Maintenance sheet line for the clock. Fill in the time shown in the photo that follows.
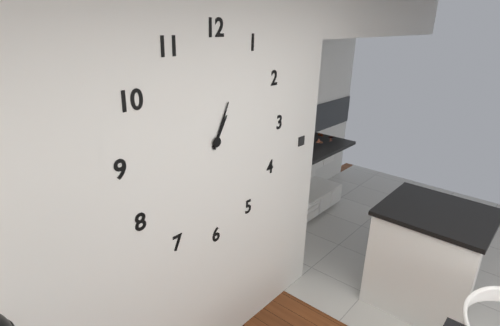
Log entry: 1:04
